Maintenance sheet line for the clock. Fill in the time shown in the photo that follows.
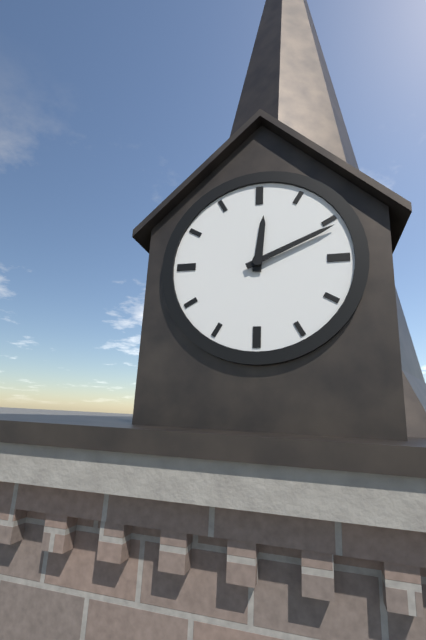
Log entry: 12:11
